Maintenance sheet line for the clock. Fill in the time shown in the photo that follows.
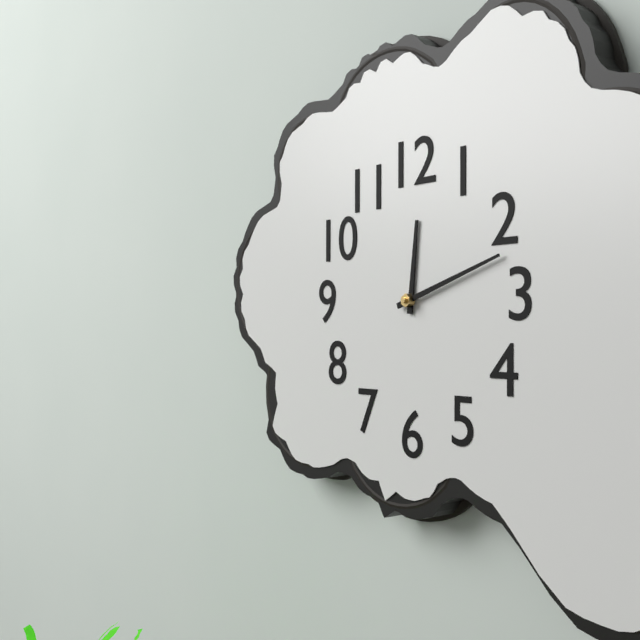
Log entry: 12:12
